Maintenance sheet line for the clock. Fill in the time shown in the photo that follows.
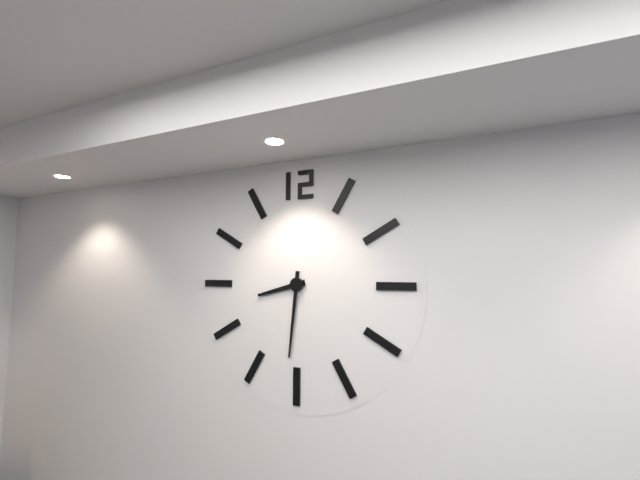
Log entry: 8:31
